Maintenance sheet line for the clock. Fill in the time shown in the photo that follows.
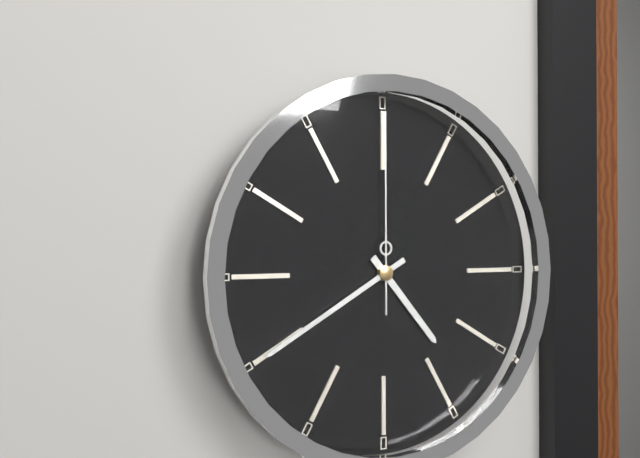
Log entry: 4:40:00
